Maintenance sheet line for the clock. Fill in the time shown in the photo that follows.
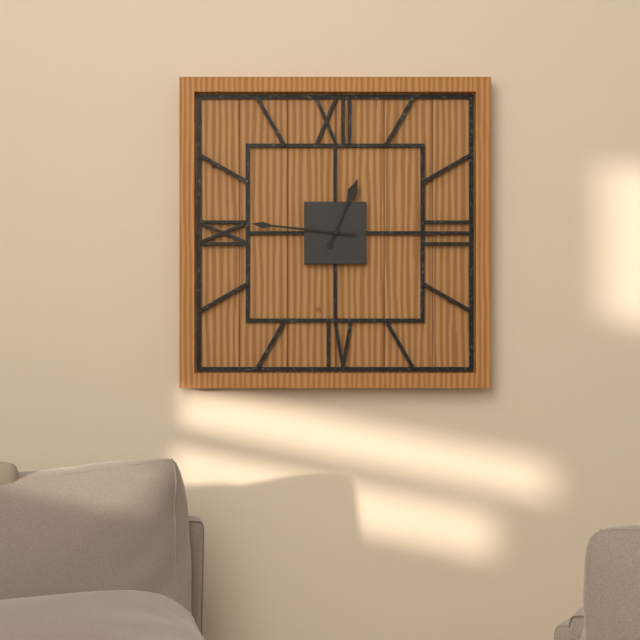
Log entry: 12:46
